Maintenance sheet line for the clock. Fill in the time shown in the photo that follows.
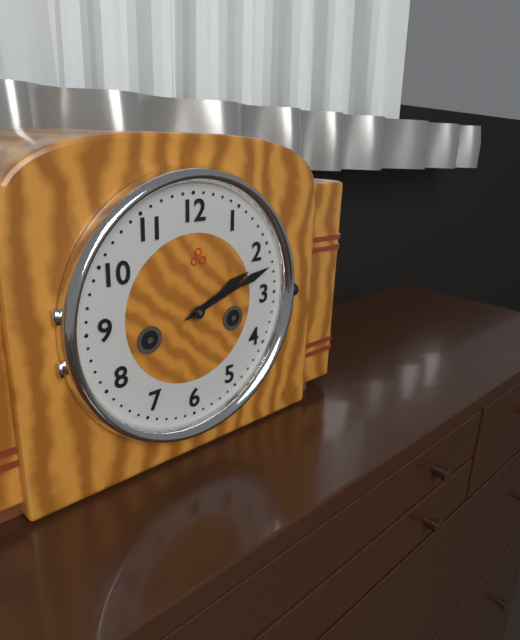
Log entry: 2:12
